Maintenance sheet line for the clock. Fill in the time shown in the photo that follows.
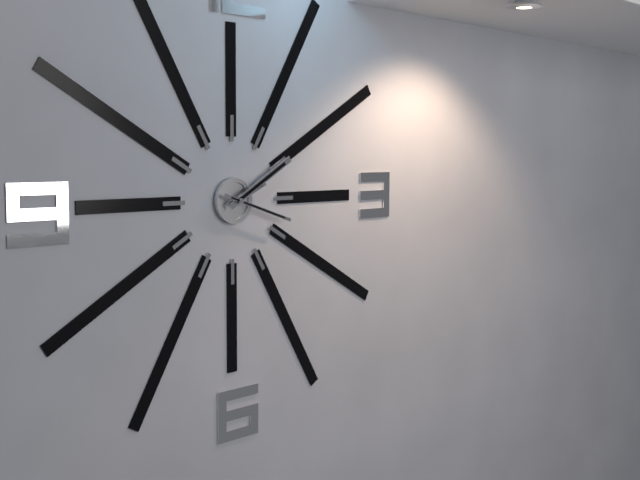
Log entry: 2:10:18
